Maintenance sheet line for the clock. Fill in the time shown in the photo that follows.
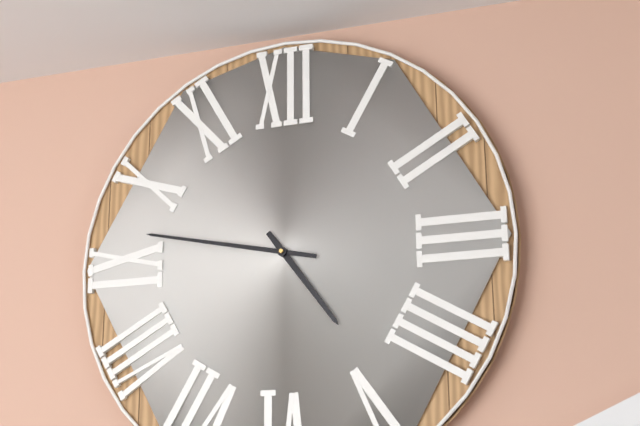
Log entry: 4:47
